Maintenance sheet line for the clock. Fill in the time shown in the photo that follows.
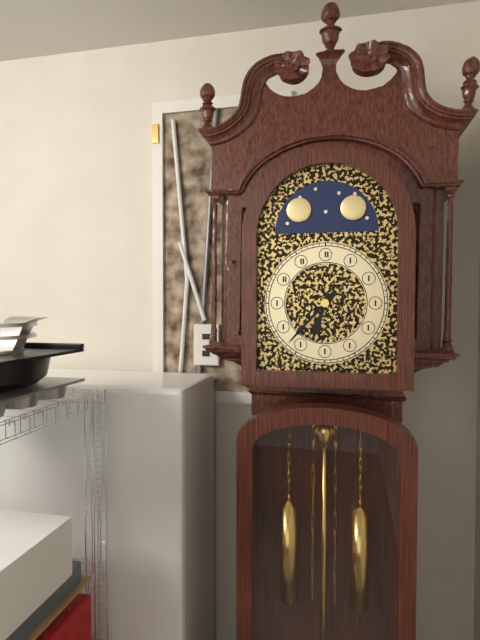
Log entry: 6:37
